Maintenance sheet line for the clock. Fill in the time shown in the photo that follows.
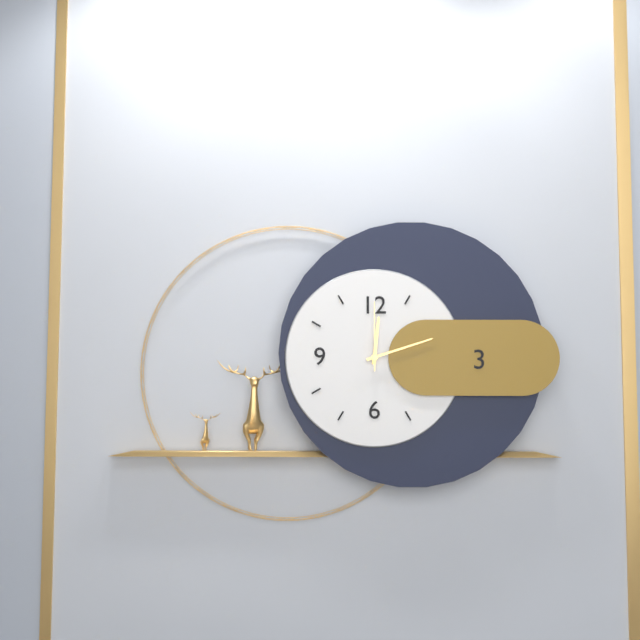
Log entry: 12:12:00
